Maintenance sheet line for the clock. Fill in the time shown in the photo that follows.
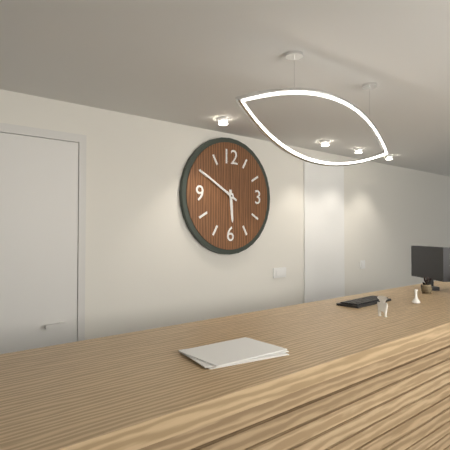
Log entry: 5:50
